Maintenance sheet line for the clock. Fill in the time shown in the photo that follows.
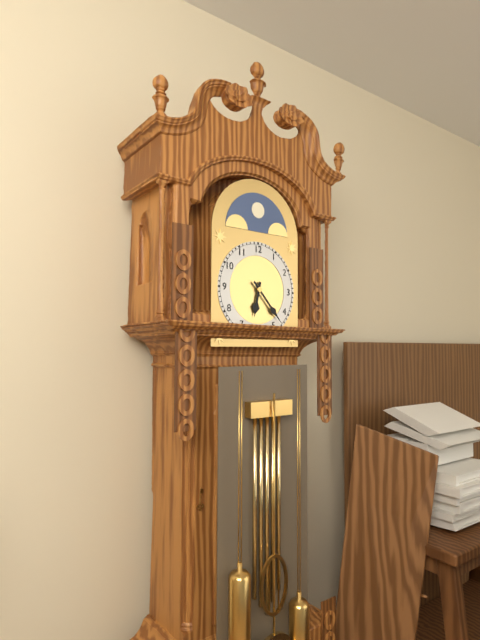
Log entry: 6:23
